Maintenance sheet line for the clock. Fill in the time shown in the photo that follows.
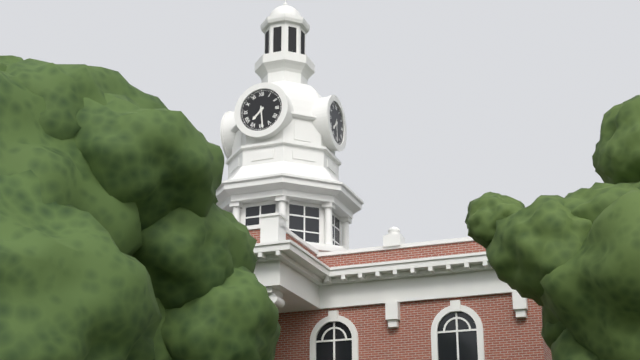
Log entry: 7:29
